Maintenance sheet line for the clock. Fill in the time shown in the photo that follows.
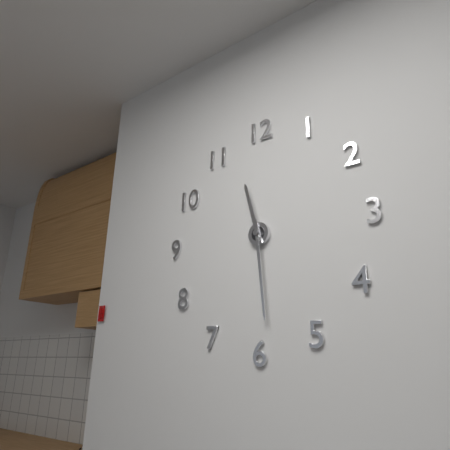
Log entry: 11:29
